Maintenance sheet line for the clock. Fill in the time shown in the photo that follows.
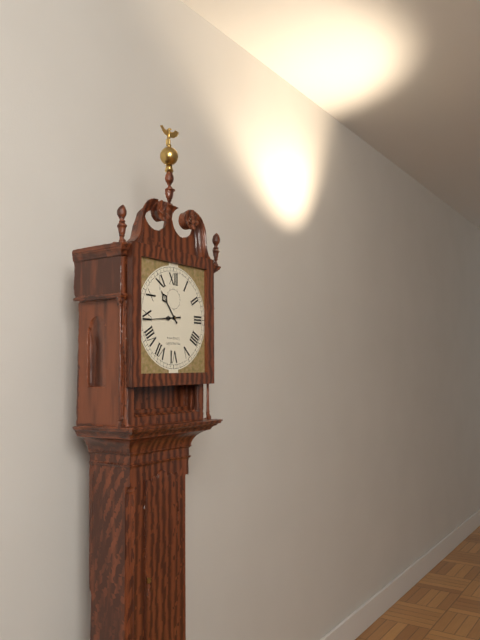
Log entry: 10:44
